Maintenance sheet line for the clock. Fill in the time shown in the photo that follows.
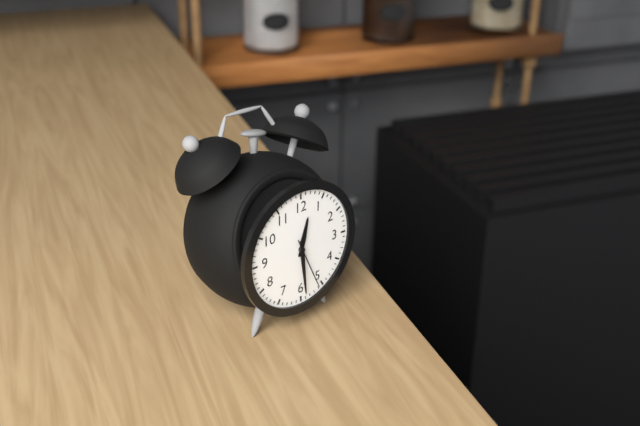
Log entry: 12:29:26
